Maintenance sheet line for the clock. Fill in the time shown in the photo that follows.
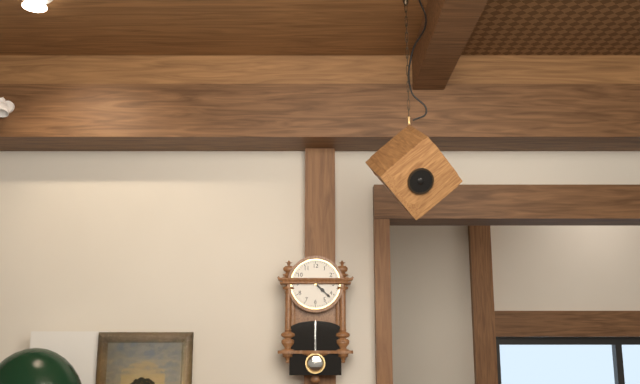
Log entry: 4:22
